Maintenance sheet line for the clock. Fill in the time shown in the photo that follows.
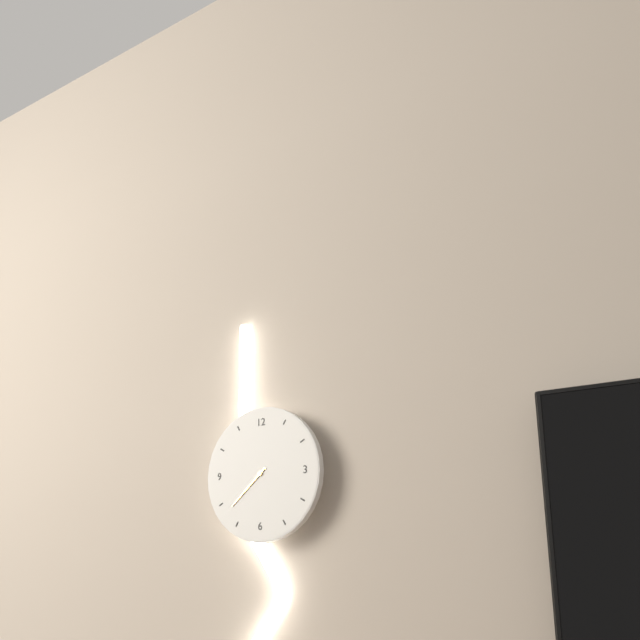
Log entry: 7:38
